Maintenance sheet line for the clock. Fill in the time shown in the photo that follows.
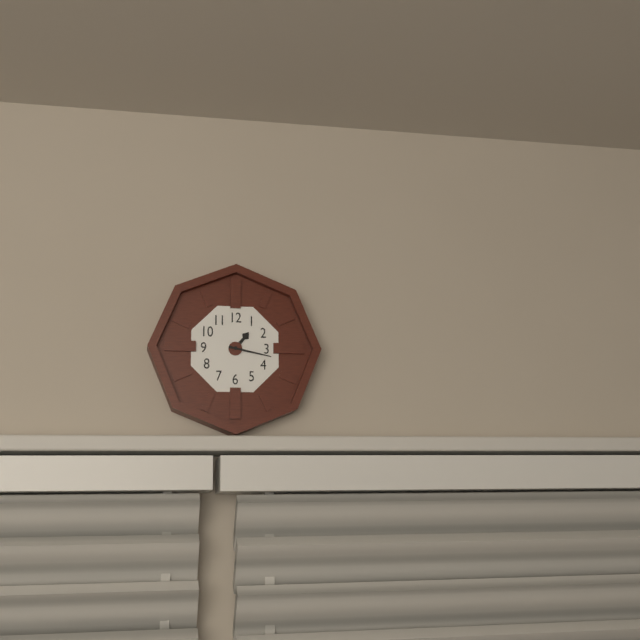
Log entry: 1:17
